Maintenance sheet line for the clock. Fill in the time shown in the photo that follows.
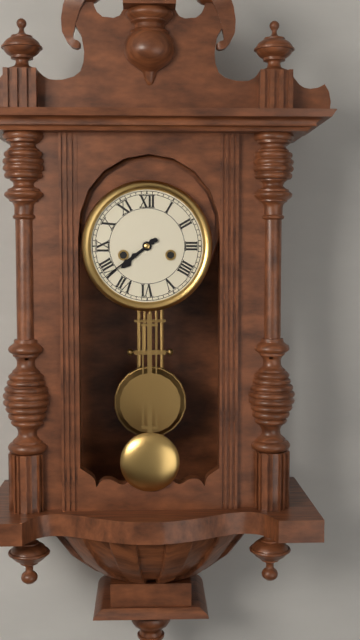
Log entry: 7:39
